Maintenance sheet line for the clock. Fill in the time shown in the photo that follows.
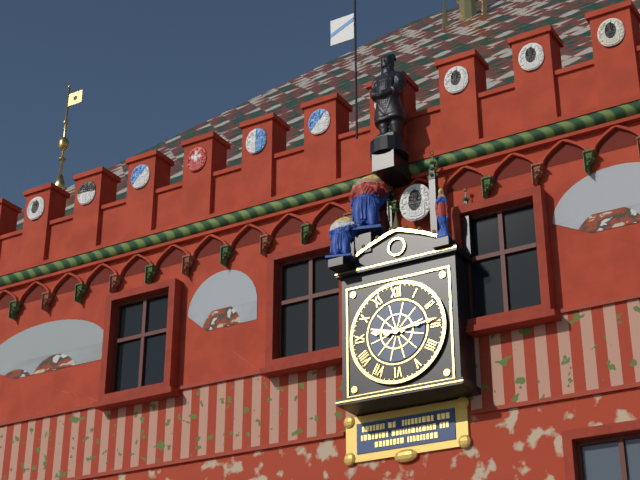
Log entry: 9:14
